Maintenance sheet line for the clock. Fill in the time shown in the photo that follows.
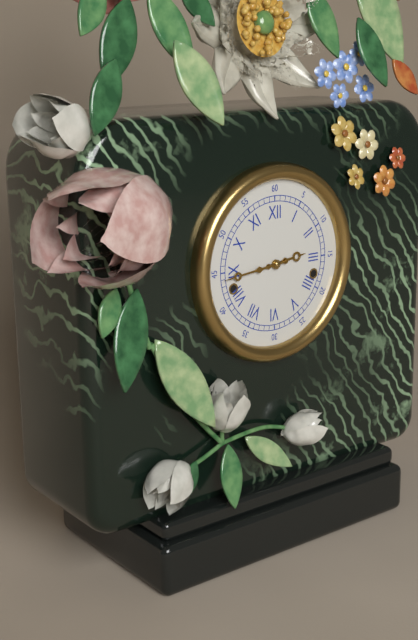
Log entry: 2:44
